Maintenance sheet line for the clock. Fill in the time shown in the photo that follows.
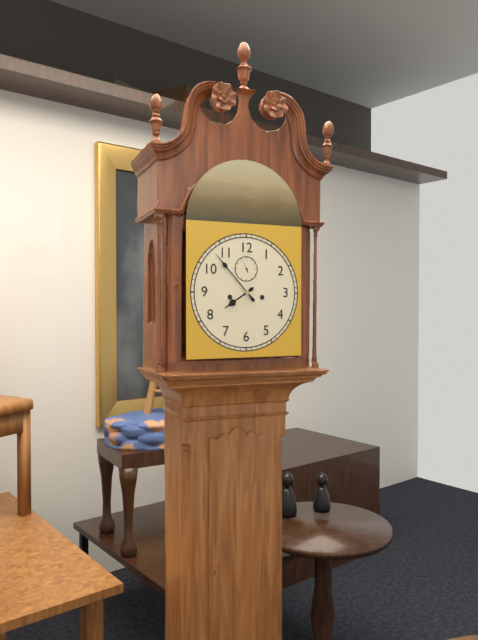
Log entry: 7:53
